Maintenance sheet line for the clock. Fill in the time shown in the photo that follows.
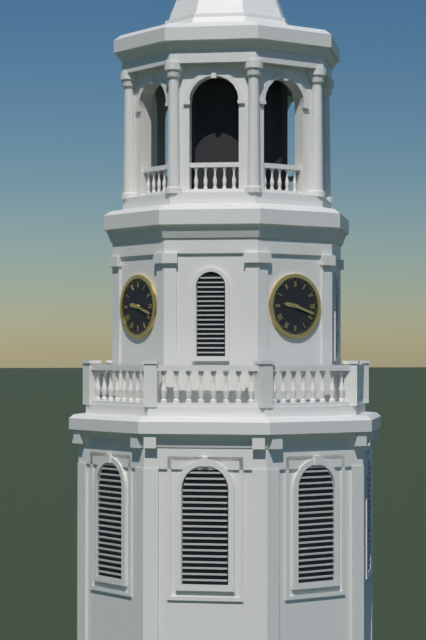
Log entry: 9:18
